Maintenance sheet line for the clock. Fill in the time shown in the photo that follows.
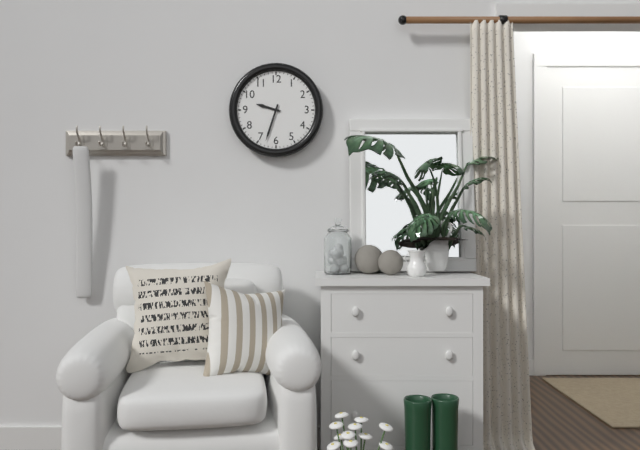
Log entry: 9:33
